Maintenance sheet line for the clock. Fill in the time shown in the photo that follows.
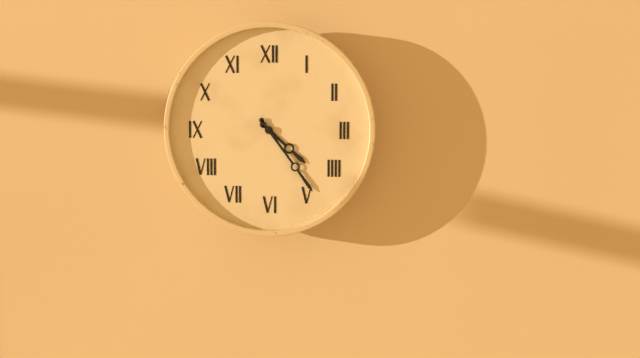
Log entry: 4:24
